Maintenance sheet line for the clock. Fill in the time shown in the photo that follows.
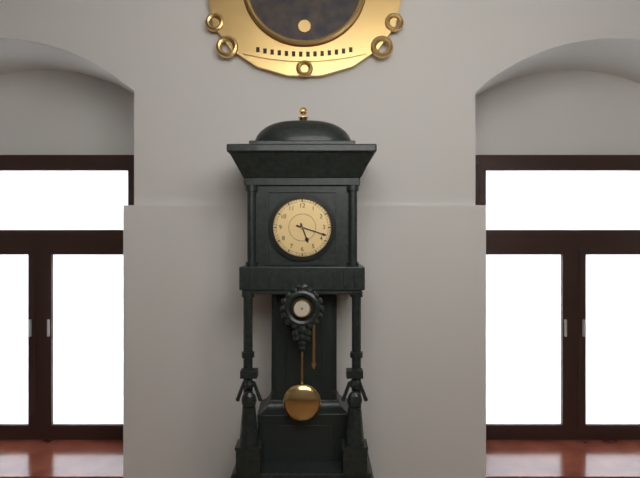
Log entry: 5:18
